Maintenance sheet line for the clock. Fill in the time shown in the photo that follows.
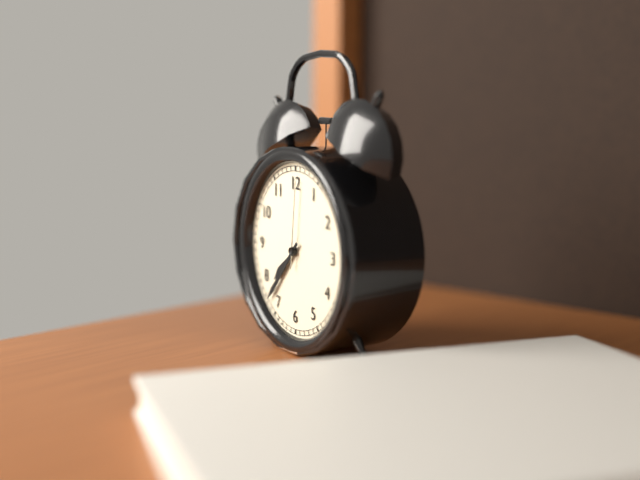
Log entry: 7:37:01
